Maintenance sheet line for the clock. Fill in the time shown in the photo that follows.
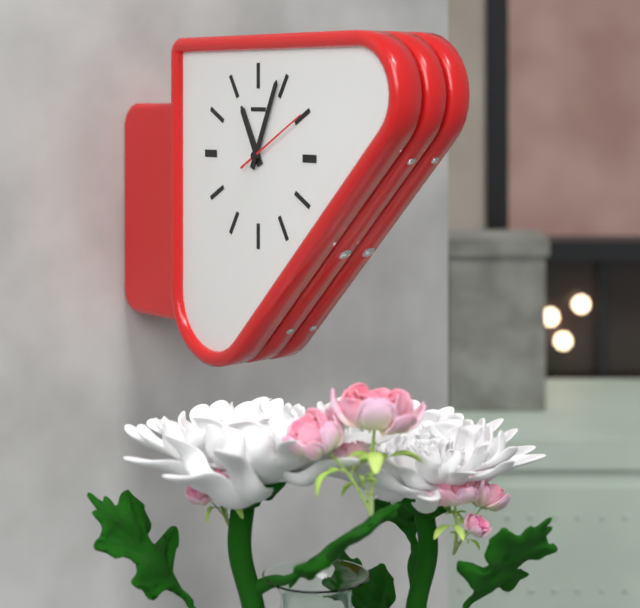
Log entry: 11:04:10
